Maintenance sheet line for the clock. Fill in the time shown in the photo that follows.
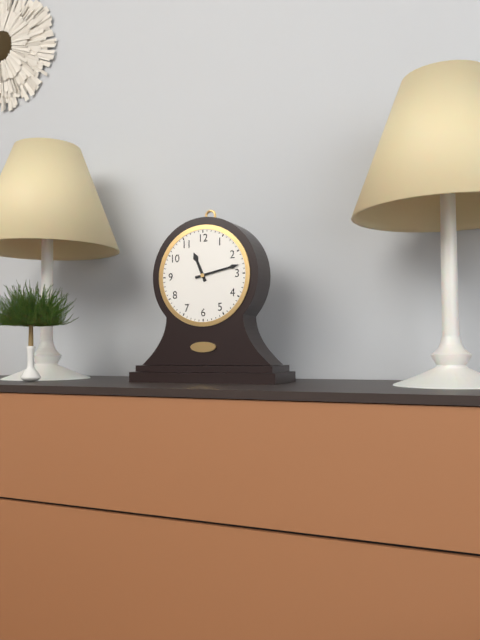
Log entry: 11:13
